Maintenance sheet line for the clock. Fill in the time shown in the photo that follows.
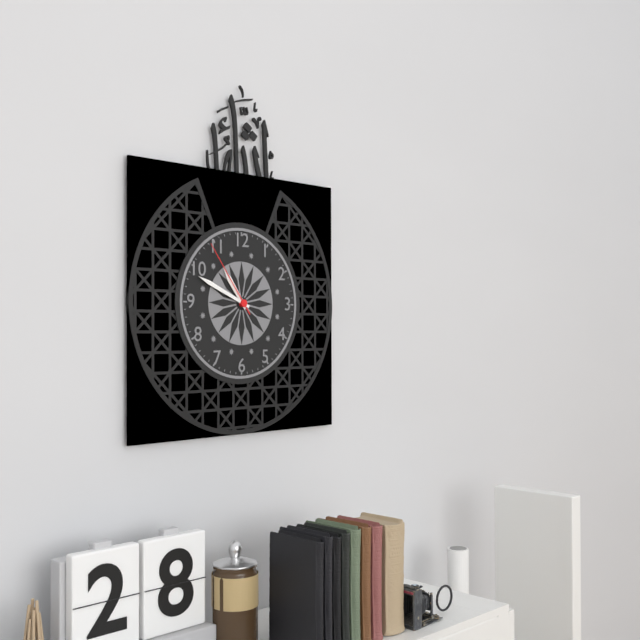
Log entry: 10:49:54
